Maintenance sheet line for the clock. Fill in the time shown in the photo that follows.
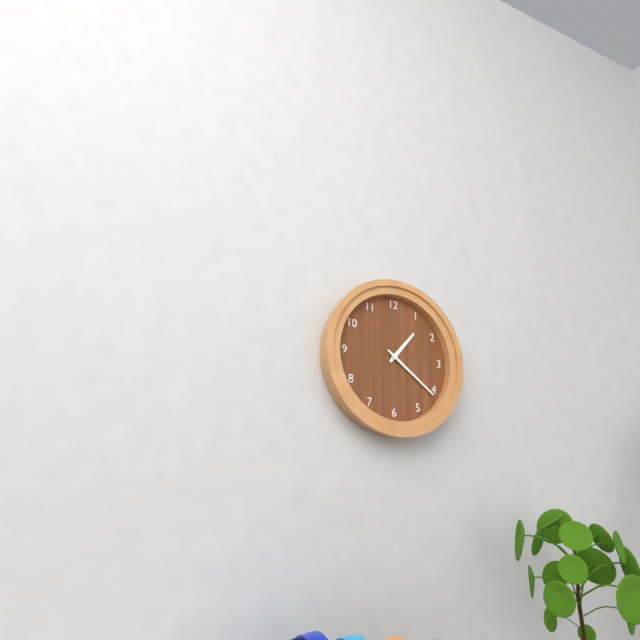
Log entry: 1:21
